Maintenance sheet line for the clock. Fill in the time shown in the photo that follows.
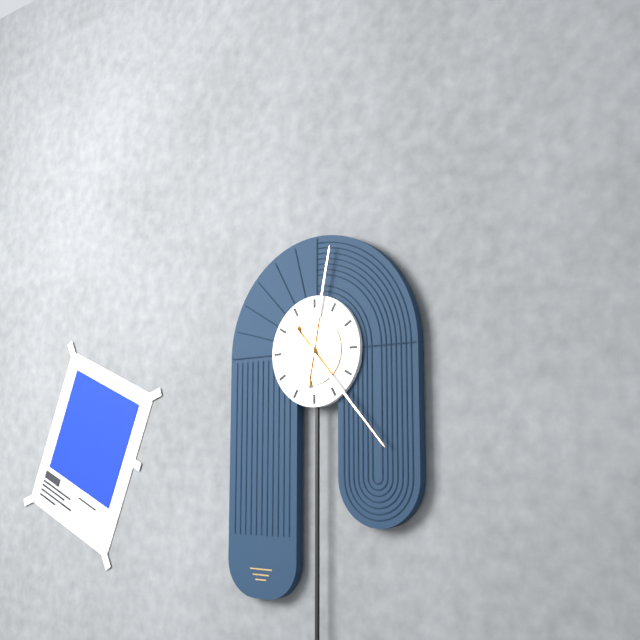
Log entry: 12:23
